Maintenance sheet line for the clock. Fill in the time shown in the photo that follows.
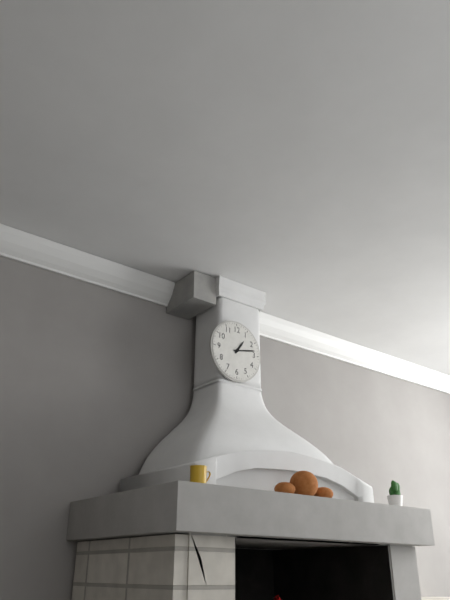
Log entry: 1:13
